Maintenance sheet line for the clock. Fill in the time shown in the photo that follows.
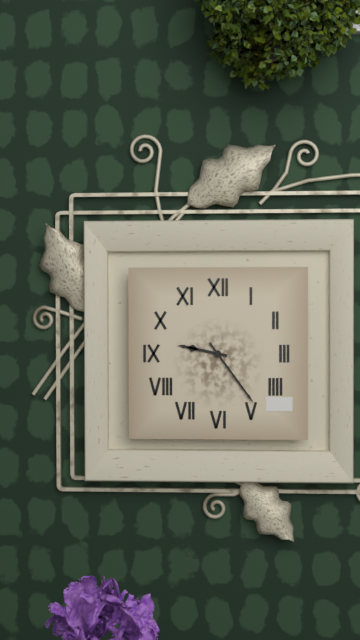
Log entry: 9:24
